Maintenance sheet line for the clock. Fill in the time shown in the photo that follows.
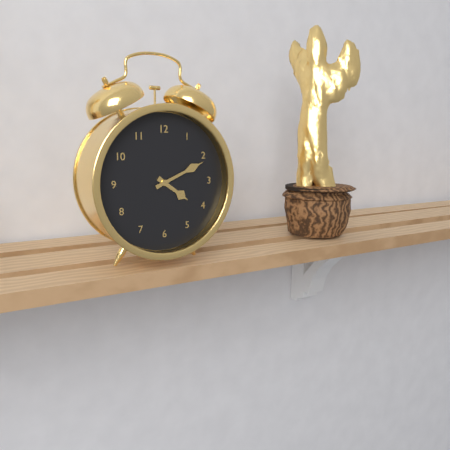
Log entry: 4:11
